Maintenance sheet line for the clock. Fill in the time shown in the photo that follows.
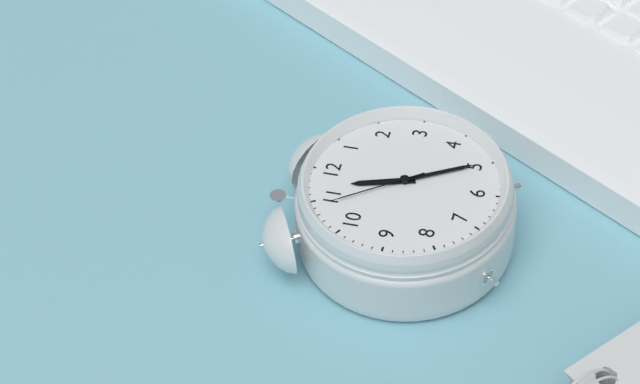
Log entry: 11:25:54
